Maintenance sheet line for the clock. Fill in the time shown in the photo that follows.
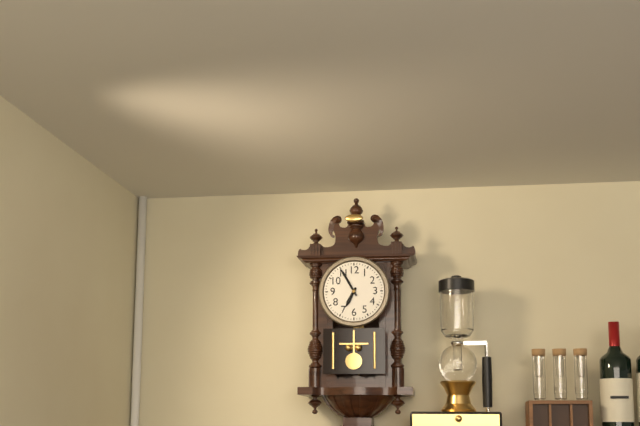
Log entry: 6:55
